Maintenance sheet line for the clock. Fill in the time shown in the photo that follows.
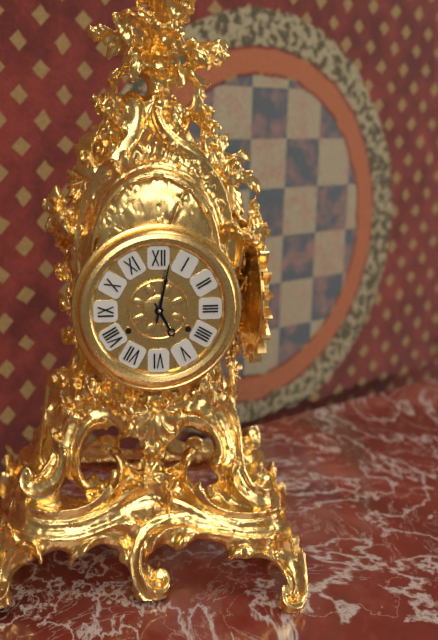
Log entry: 5:02
